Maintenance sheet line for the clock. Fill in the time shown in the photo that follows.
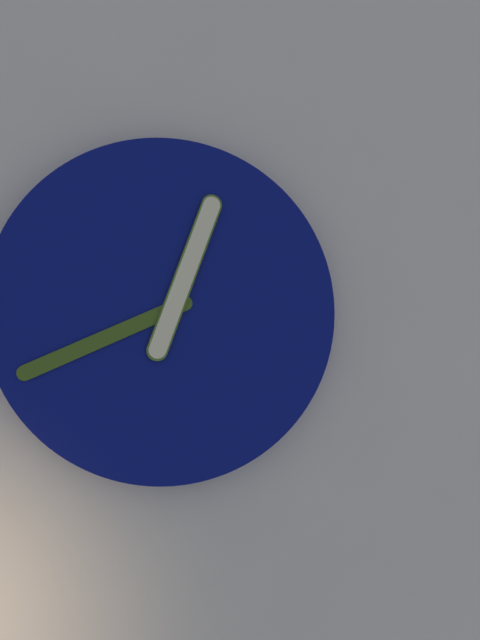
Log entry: 12:41
